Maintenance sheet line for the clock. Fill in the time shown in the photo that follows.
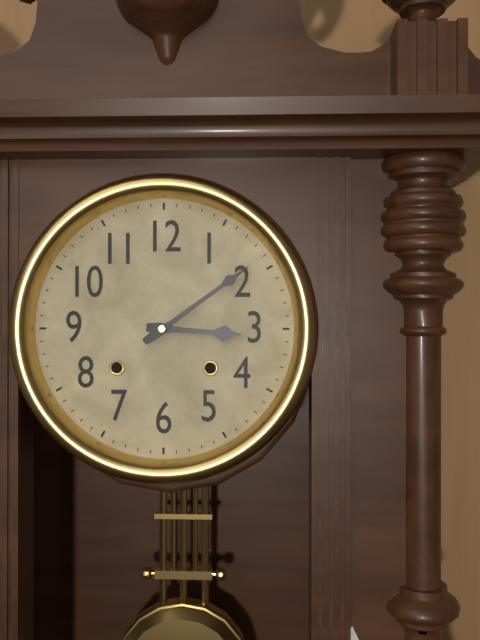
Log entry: 3:09
